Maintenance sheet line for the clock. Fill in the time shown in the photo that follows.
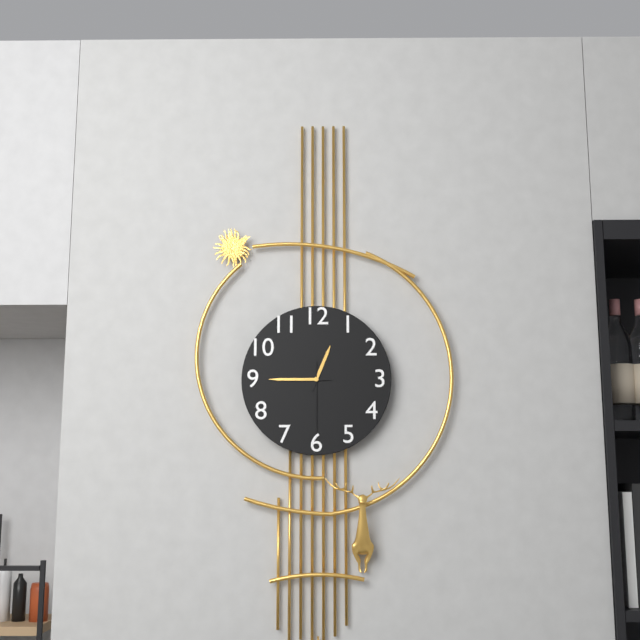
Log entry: 12:45:30
